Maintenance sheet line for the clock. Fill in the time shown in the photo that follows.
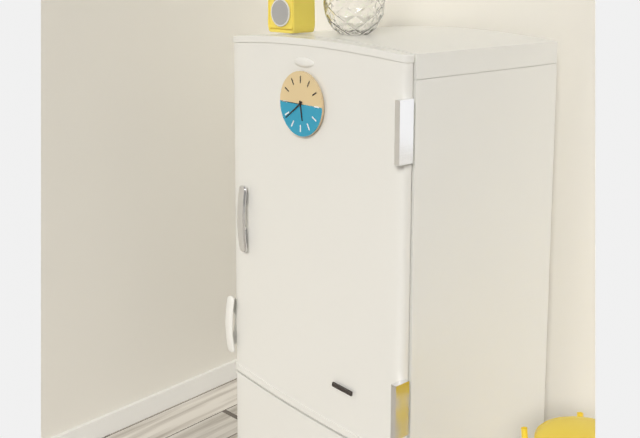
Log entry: 5:39
